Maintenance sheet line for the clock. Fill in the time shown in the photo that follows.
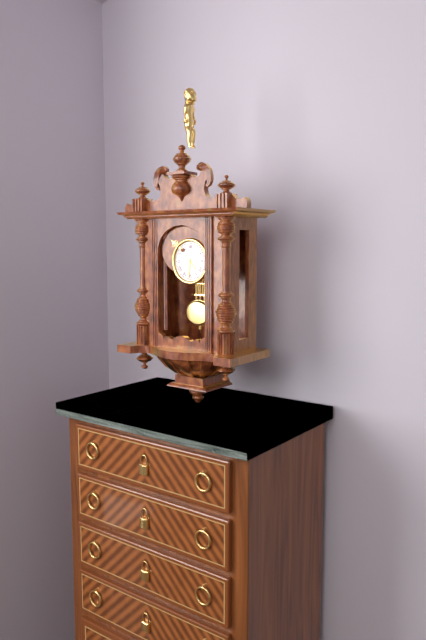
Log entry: 4:31
